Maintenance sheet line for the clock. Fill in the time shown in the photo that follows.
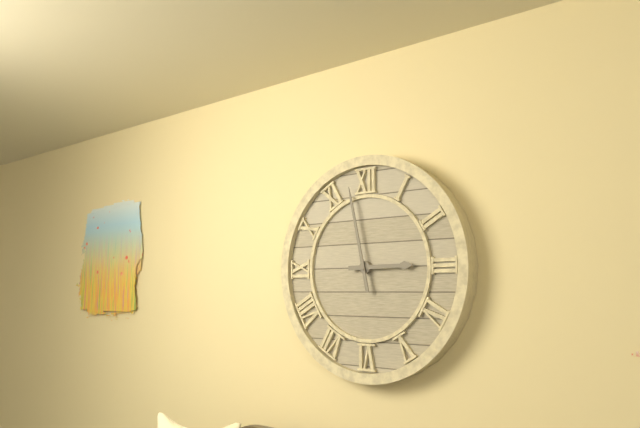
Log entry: 2:58
